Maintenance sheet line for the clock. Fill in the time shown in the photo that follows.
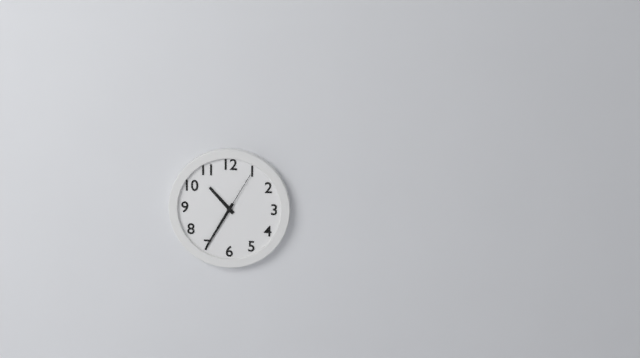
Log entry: 10:35:05
